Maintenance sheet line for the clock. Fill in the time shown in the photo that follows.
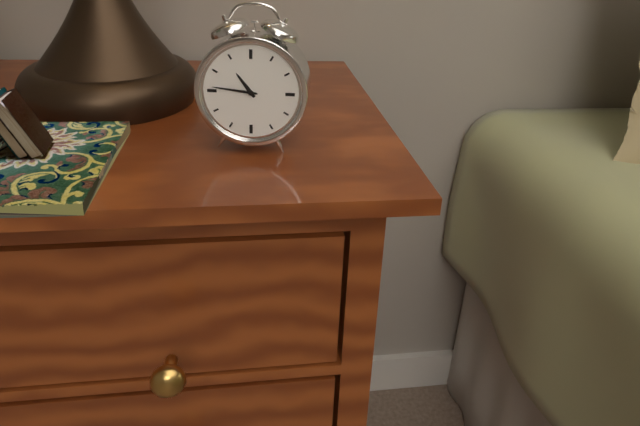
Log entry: 10:46
